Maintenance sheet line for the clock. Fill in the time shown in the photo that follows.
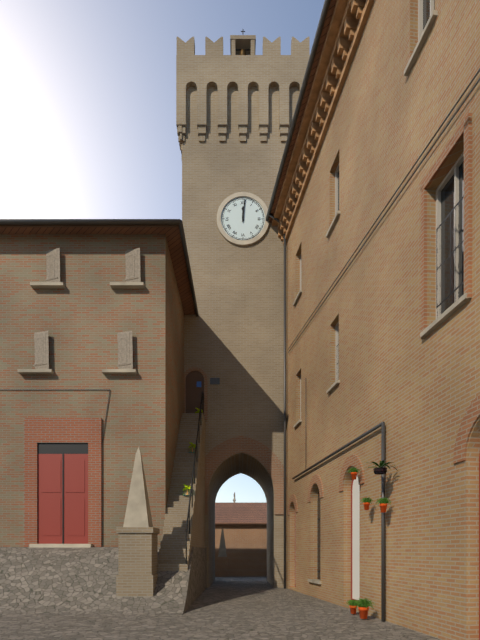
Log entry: 12:01
